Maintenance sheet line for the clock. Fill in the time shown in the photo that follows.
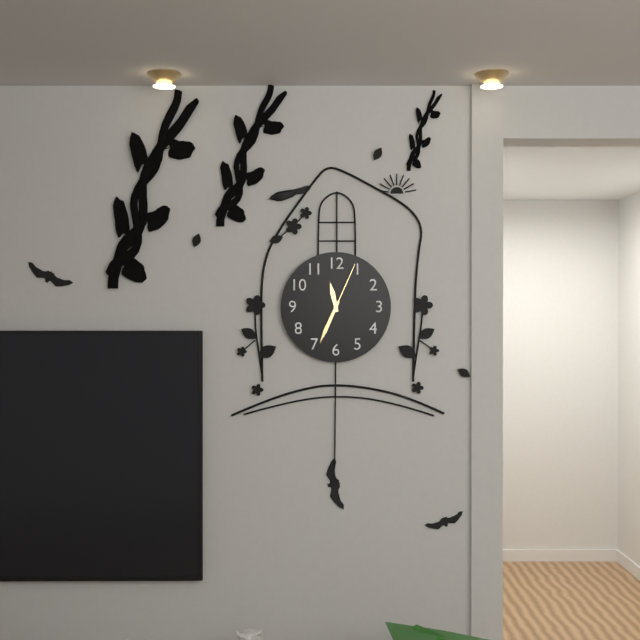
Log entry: 11:34:04
